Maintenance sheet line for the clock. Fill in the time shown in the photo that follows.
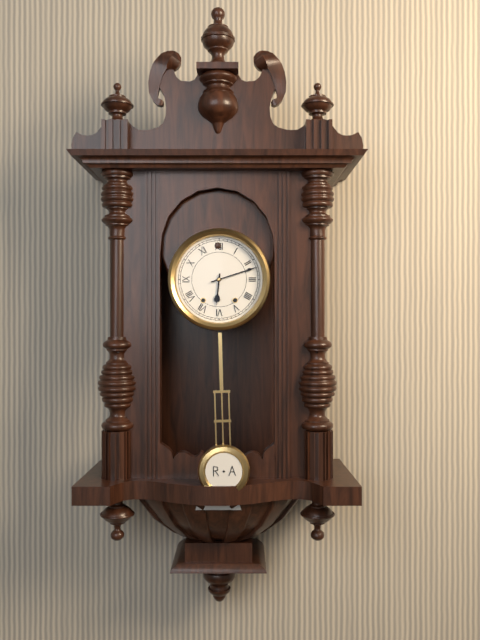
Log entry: 6:12
